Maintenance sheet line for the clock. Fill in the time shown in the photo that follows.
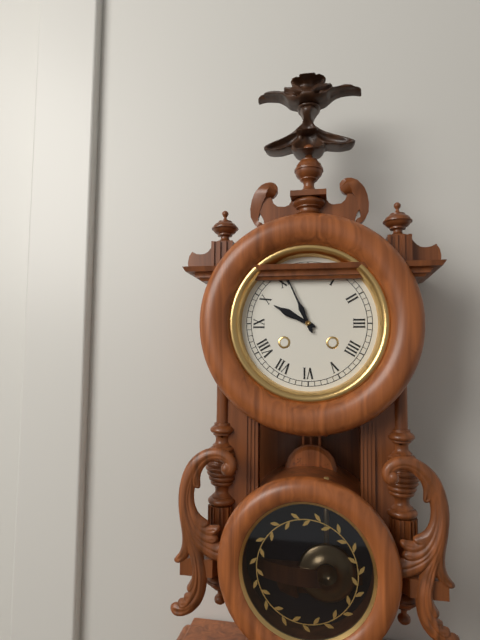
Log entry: 9:56
